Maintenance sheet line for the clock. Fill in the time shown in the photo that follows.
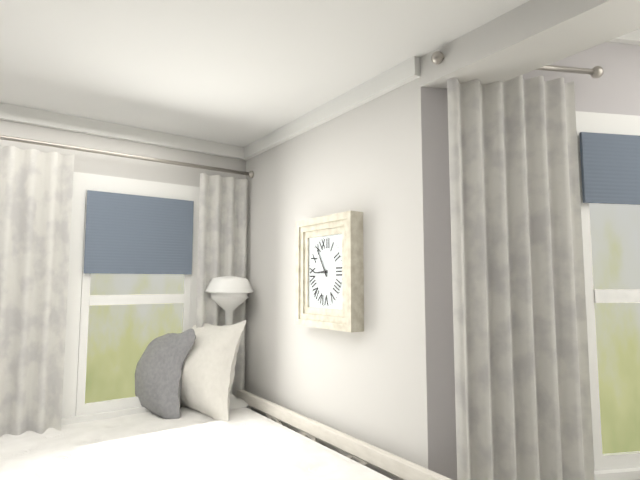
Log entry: 8:55
